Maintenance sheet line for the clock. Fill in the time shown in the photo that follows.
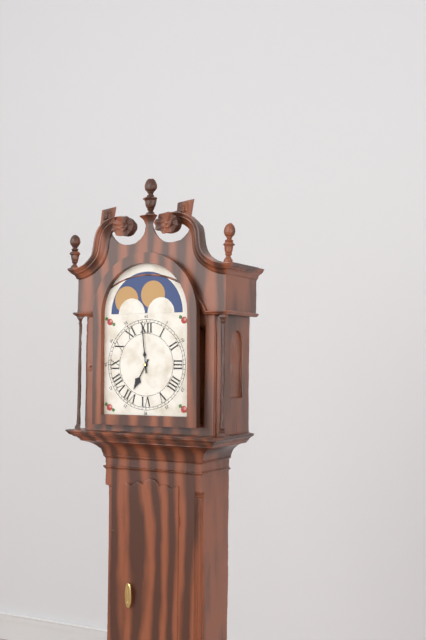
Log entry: 6:59
